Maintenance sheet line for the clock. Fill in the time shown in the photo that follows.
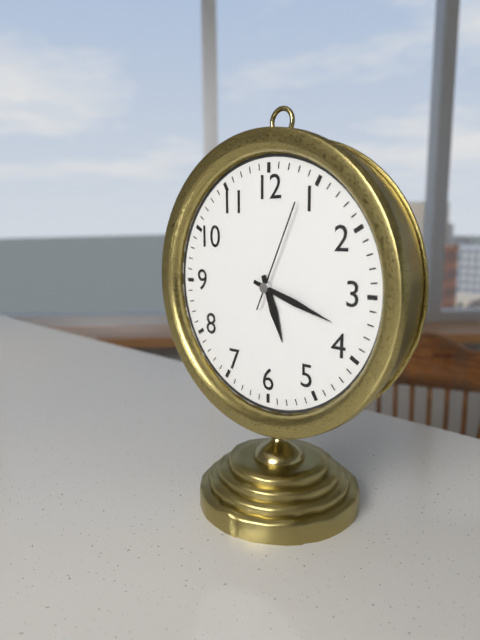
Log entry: 5:18:04
